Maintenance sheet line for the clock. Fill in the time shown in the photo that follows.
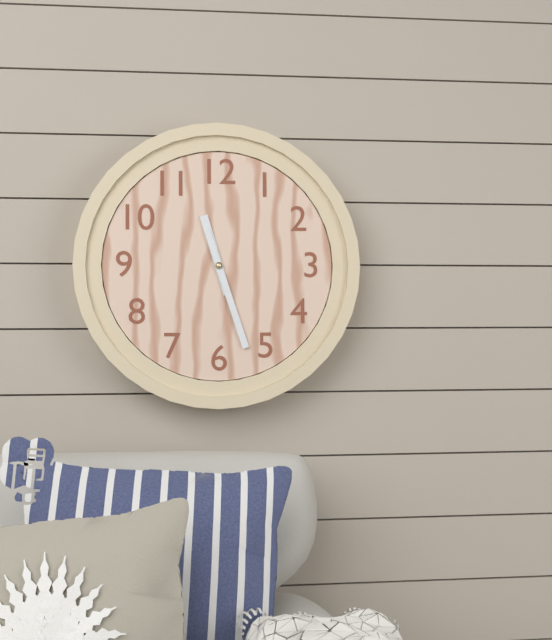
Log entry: 11:27
